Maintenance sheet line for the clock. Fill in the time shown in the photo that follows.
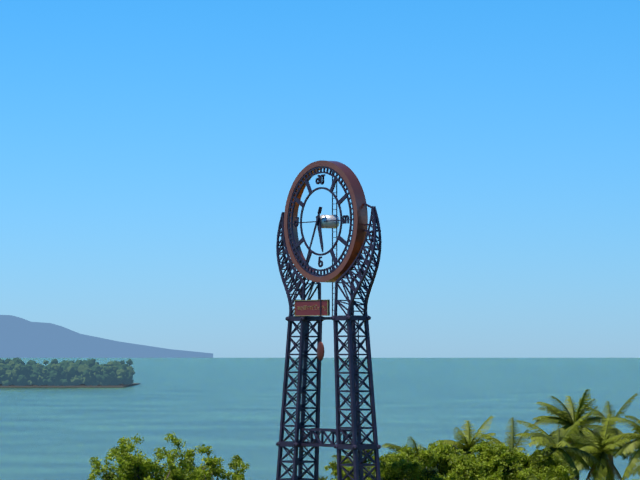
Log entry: 5:34
